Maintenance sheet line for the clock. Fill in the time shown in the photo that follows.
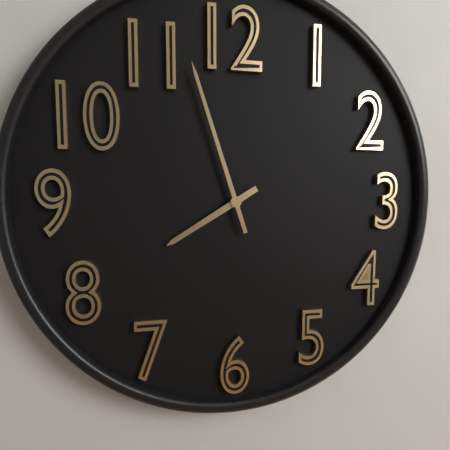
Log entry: 7:57
